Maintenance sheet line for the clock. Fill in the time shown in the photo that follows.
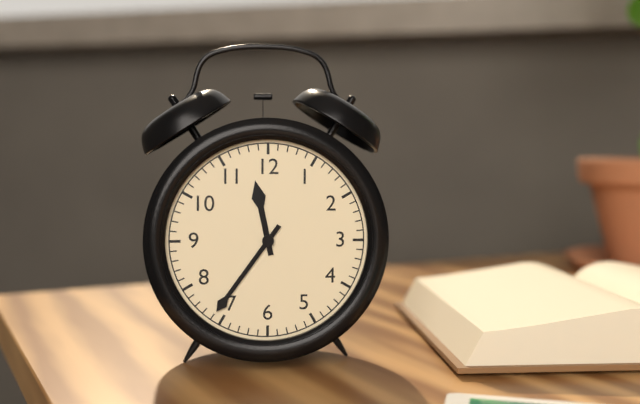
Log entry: 11:36
